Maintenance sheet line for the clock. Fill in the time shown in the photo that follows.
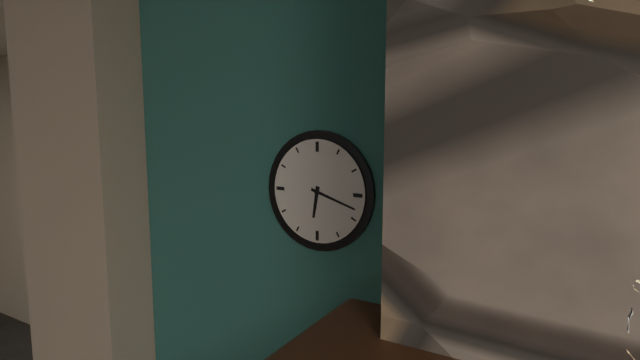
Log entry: 6:18
